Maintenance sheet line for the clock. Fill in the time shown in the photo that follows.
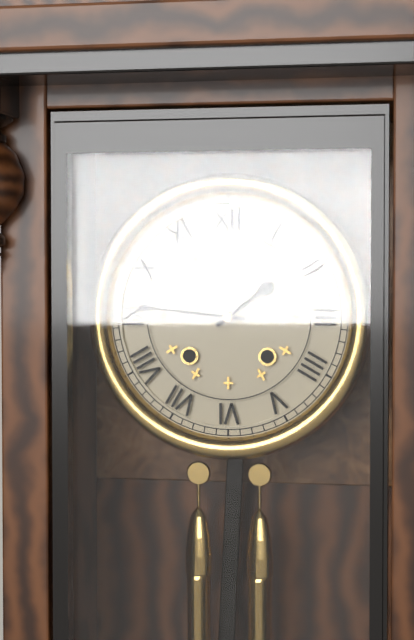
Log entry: 1:46
